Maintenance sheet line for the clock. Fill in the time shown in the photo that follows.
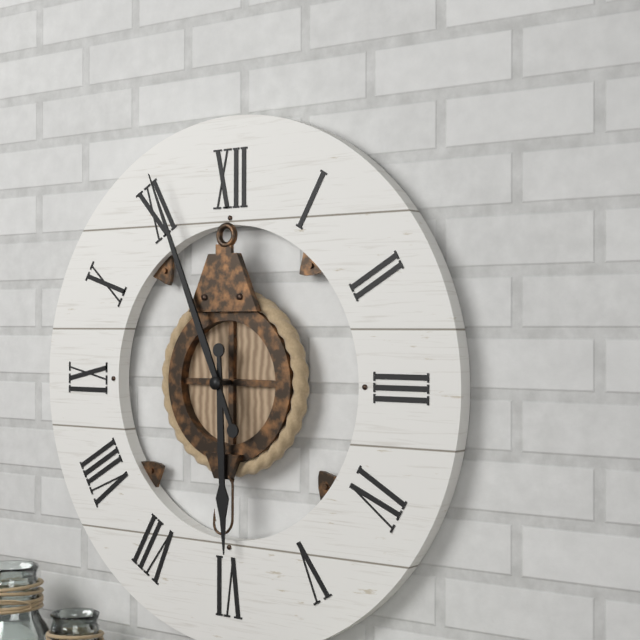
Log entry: 5:56
